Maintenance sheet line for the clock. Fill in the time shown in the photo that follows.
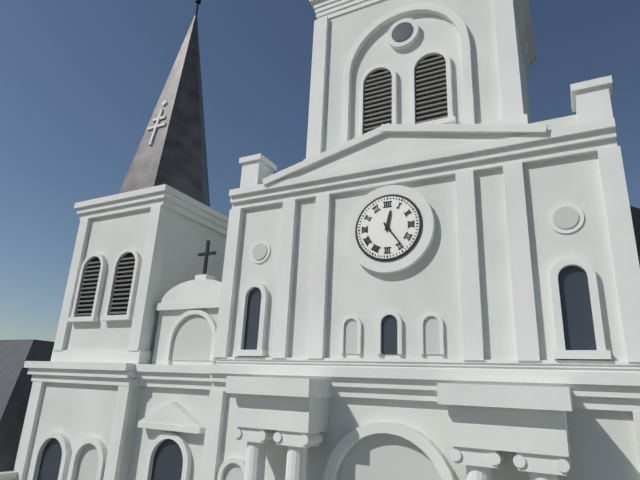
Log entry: 12:24
